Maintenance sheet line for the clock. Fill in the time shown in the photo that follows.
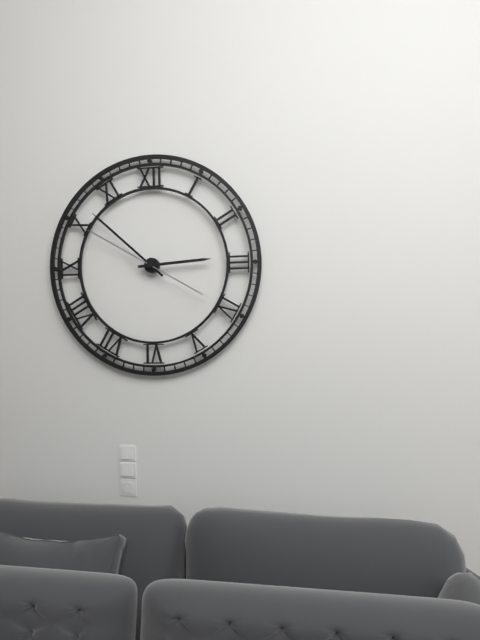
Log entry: 2:52:50
